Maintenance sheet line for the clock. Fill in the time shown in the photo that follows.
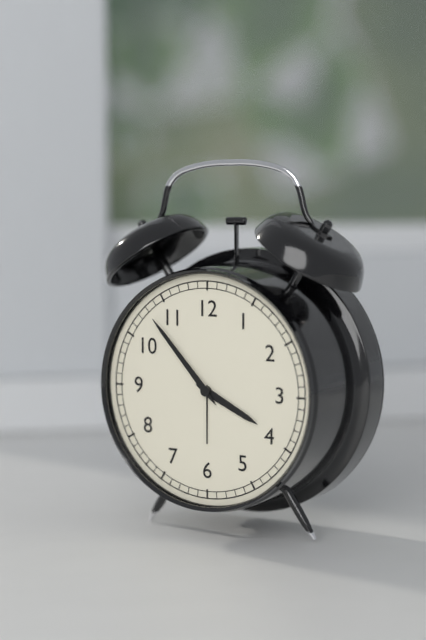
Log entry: 3:53
